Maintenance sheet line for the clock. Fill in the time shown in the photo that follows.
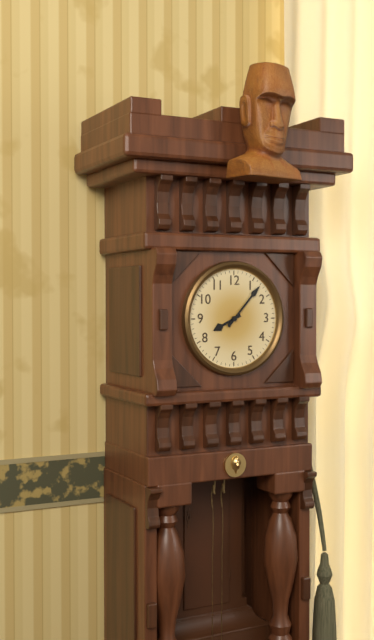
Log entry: 8:07
